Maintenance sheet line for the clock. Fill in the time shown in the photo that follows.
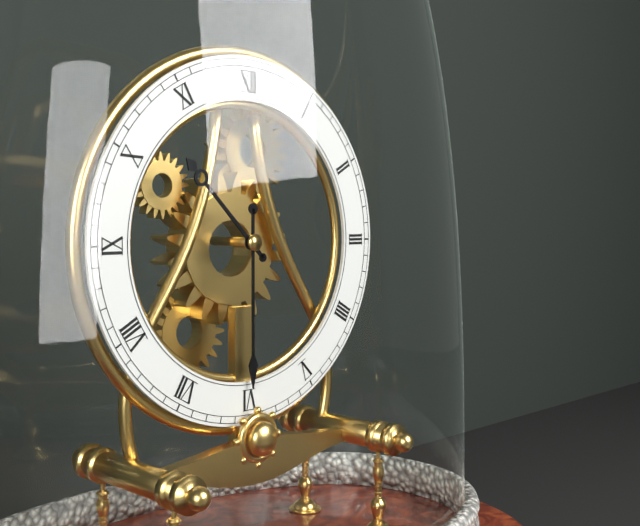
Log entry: 10:30
